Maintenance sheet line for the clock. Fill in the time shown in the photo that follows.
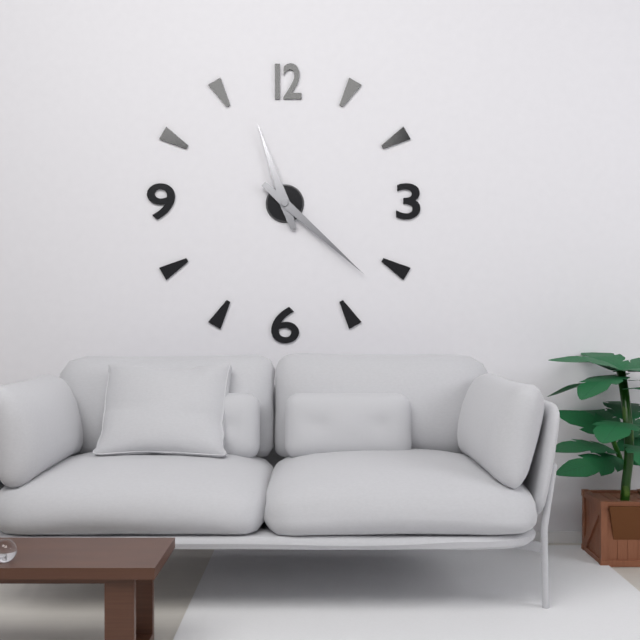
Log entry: 11:22
